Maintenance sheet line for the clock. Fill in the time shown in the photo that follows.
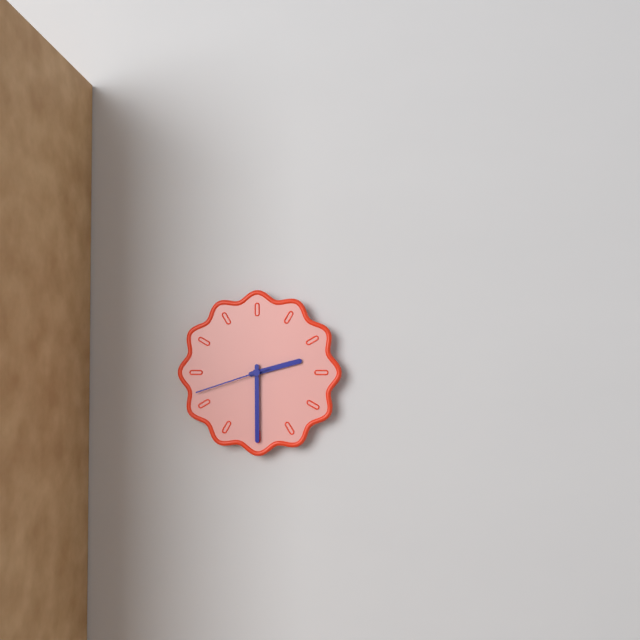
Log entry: 2:30:42
